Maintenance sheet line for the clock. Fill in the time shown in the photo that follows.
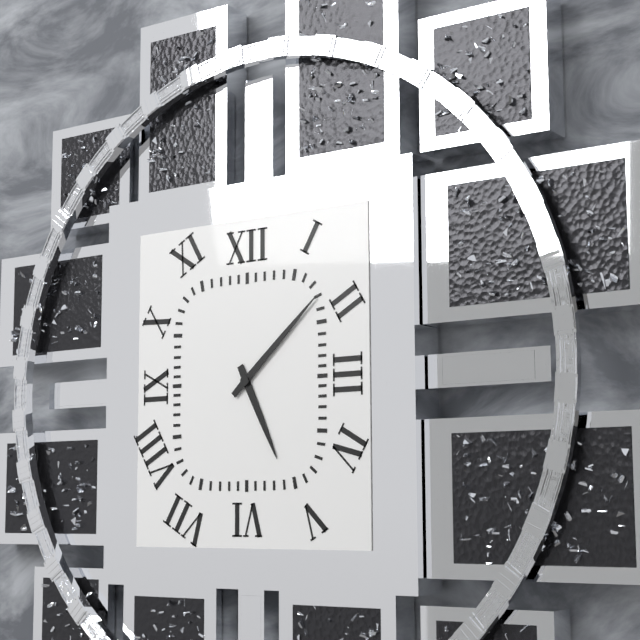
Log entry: 5:08
